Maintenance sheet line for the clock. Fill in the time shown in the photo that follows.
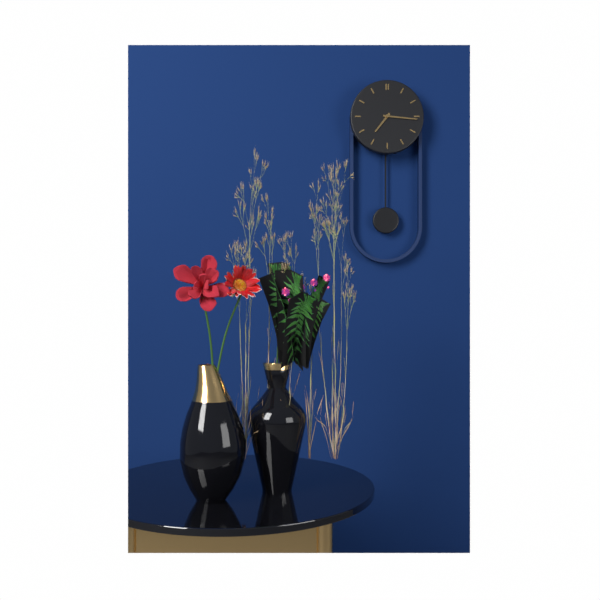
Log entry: 7:16
